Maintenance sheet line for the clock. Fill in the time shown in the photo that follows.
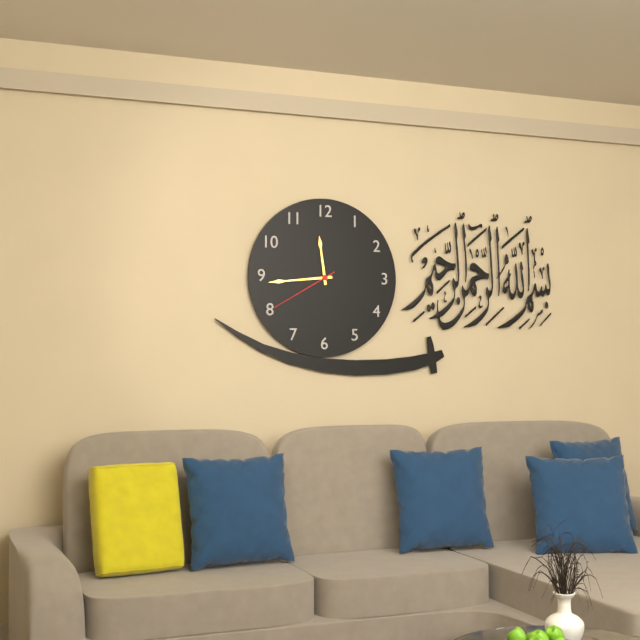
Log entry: 11:44:40
